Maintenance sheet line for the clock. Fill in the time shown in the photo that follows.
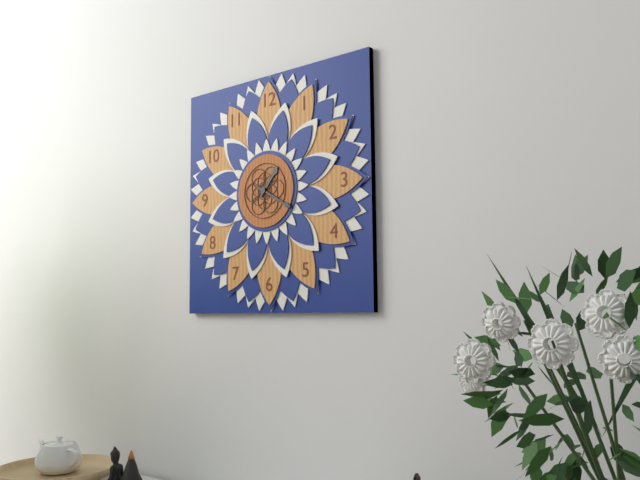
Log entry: 1:20
